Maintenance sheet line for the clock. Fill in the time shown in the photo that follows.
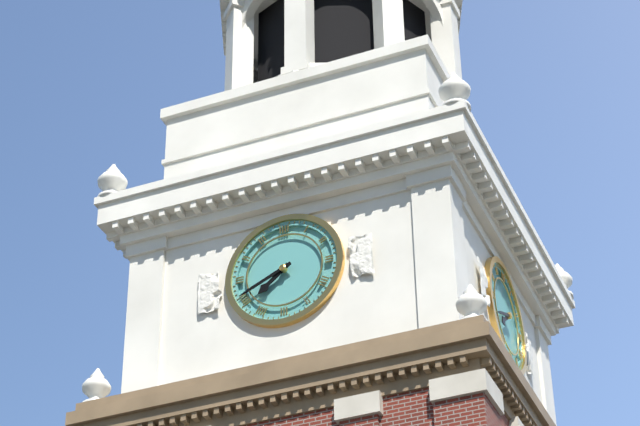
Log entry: 7:41
